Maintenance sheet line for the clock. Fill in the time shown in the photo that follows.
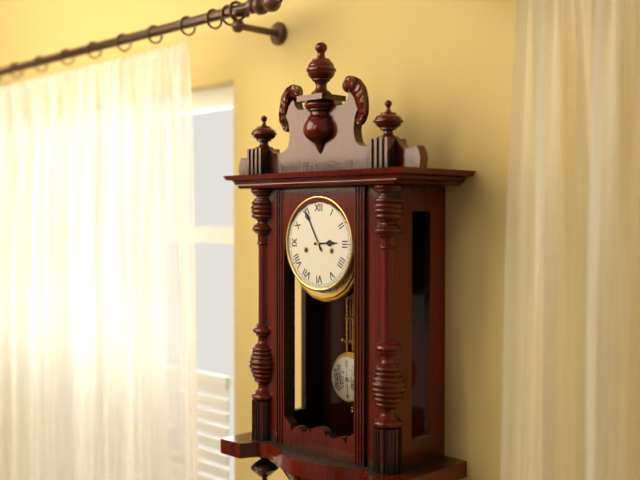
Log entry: 2:55
